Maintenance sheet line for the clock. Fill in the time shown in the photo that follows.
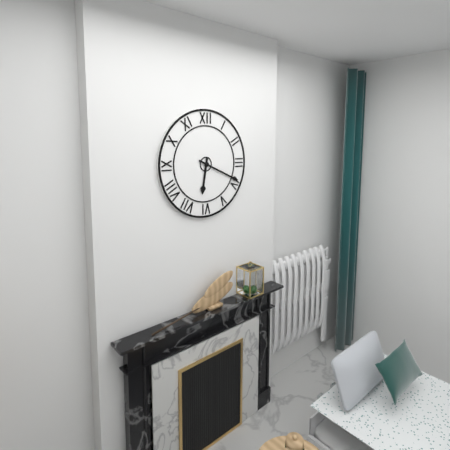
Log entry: 6:19
